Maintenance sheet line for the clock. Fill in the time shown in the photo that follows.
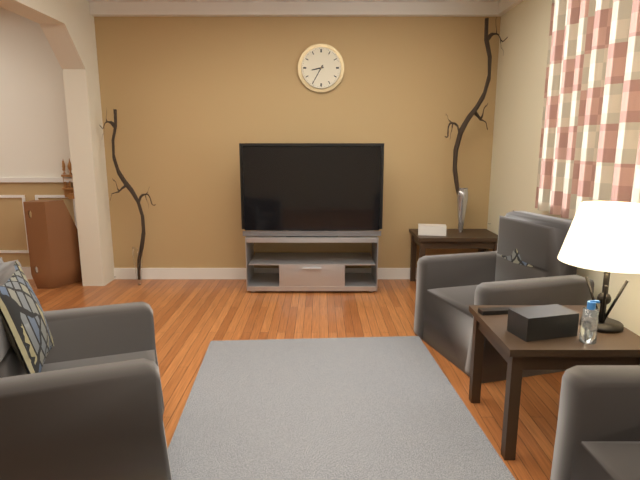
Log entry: 8:35
